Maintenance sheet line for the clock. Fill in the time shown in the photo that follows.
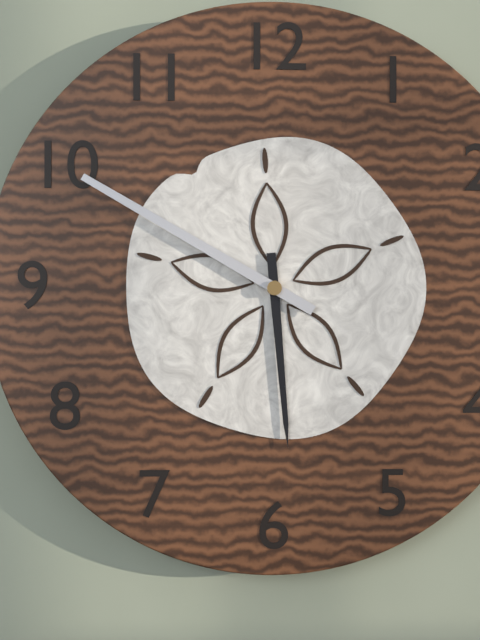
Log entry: 5:50
